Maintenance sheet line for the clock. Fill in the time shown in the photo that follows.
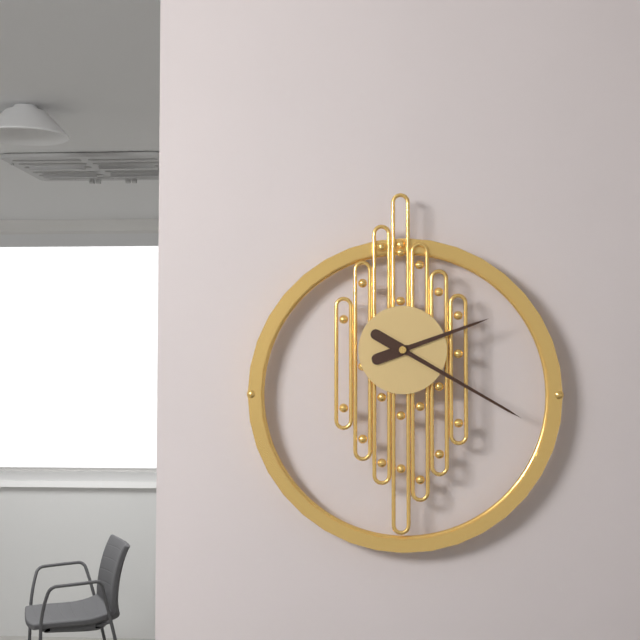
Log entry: 2:20
